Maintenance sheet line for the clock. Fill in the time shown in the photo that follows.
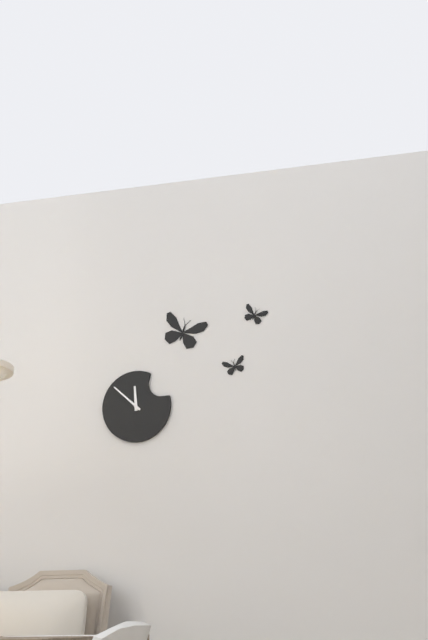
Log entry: 11:52
